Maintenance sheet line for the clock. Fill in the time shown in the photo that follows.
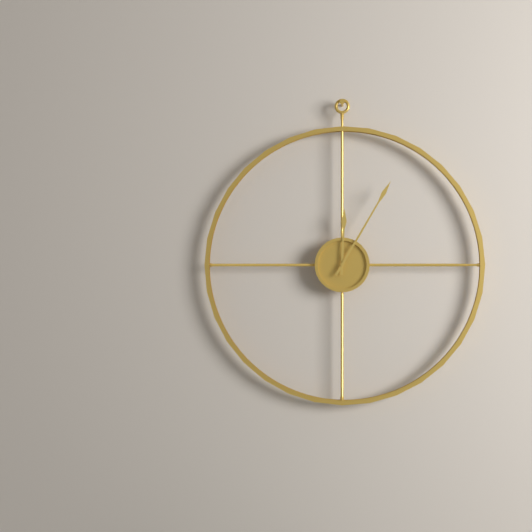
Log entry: 12:05
